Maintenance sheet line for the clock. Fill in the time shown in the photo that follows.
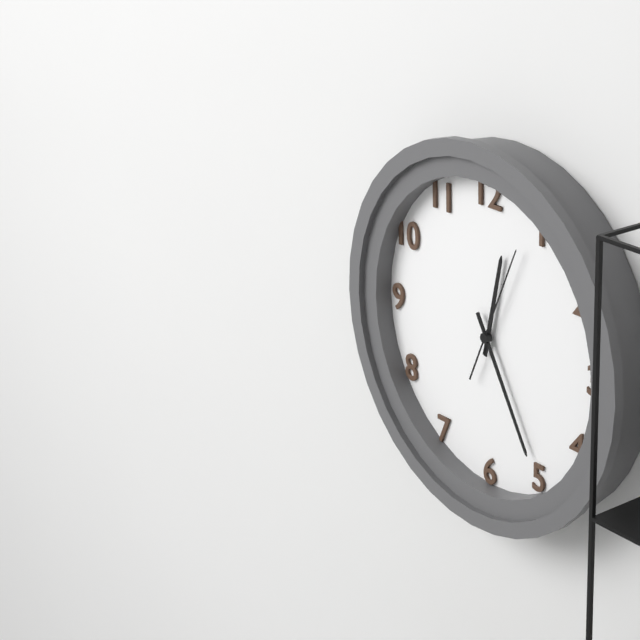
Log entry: 12:25:04
